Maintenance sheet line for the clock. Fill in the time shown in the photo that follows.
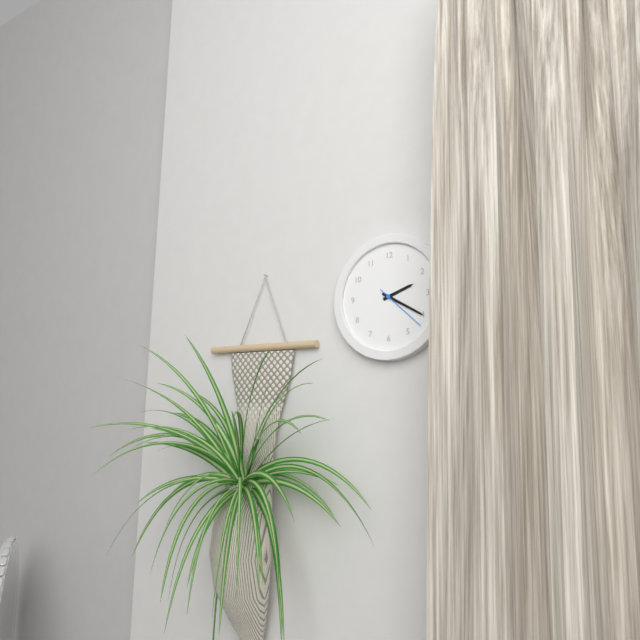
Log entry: 2:20:22
